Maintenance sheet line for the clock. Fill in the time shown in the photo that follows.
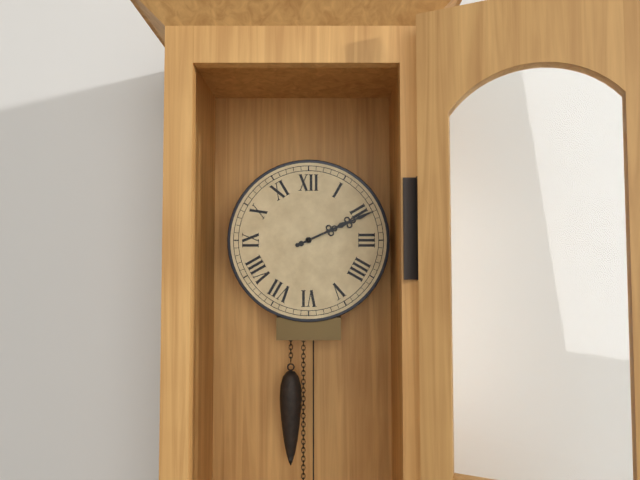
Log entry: 2:11
